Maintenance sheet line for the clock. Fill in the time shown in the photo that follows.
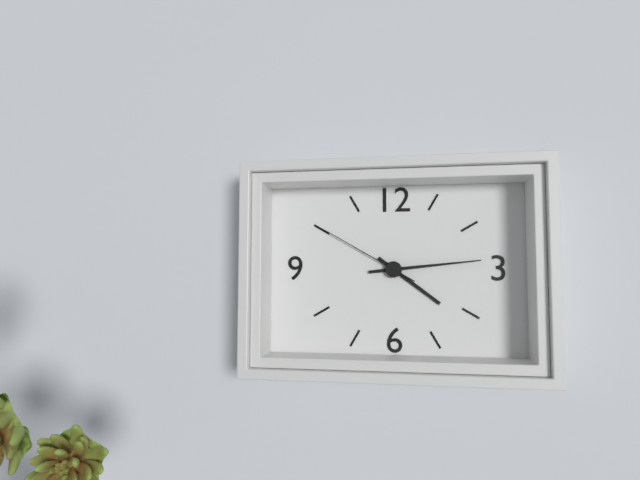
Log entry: 4:14:50
